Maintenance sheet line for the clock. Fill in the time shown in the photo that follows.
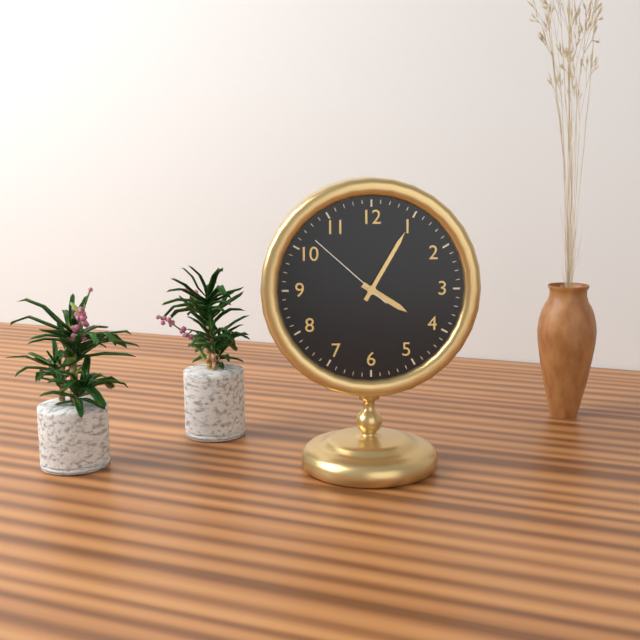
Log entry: 4:05:52
